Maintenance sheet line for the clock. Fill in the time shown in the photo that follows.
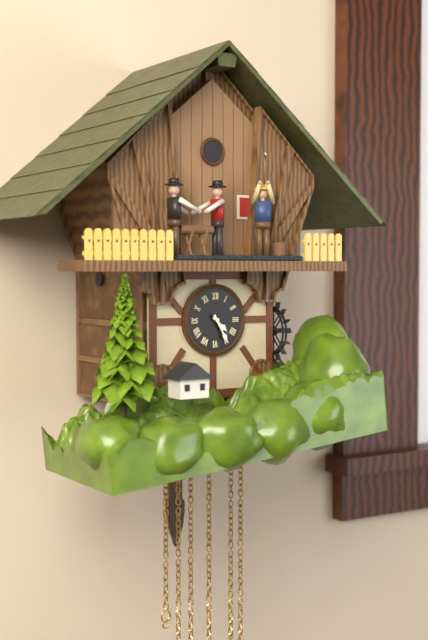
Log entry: 4:25
